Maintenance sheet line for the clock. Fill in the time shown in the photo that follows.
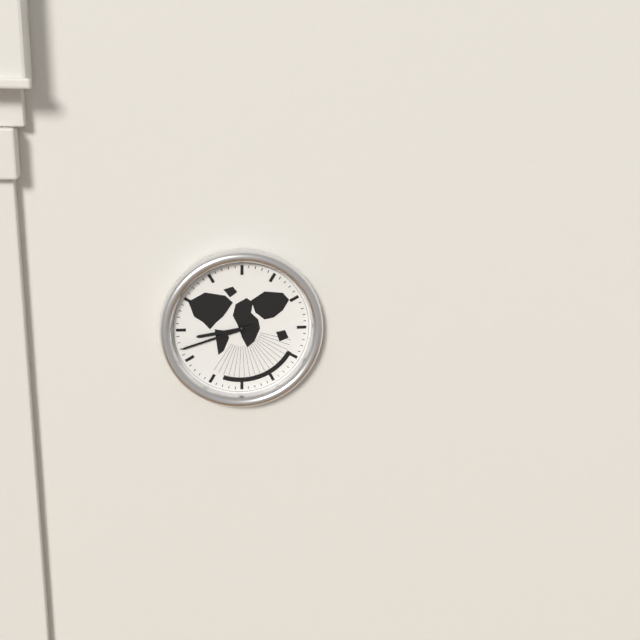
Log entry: 8:42
